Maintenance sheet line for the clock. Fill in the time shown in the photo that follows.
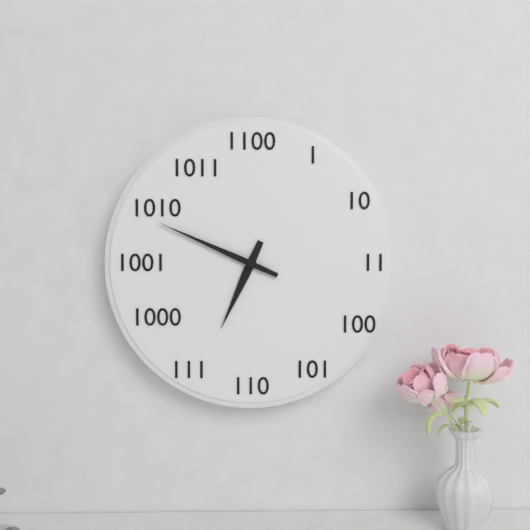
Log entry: 6:49
